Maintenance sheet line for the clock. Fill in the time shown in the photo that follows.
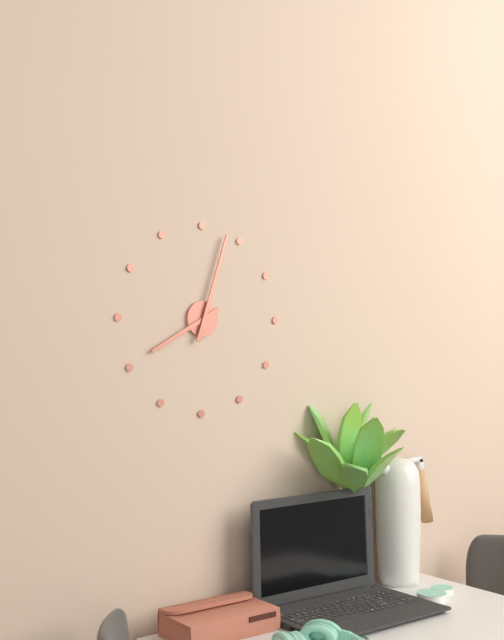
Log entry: 8:03
